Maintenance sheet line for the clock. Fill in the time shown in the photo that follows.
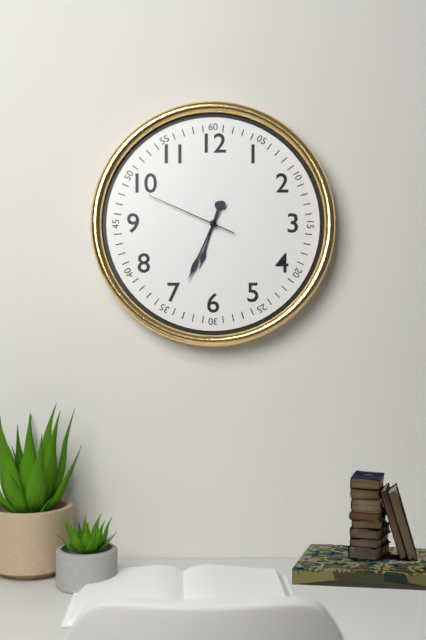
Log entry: 6:34:49
